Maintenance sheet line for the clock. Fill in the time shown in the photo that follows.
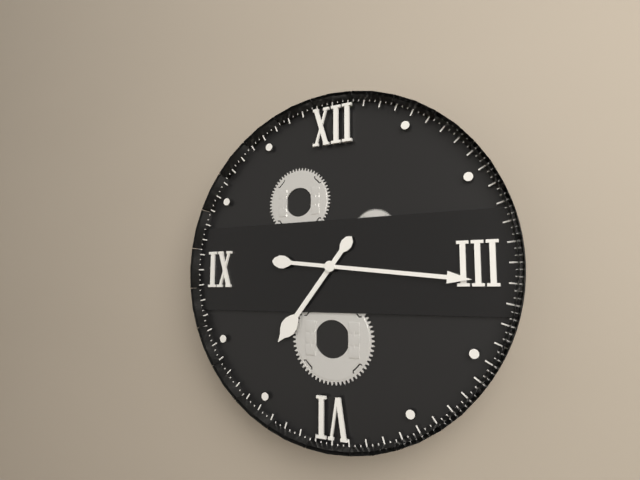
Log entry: 7:16
